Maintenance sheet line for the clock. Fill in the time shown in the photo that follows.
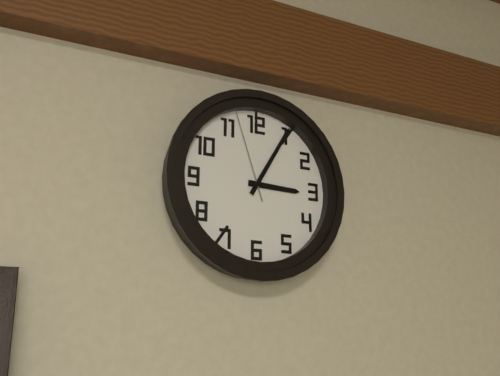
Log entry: 3:05:57
